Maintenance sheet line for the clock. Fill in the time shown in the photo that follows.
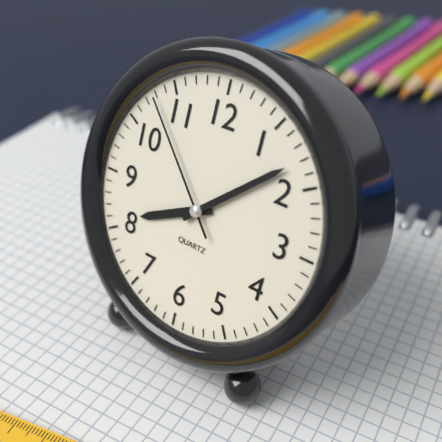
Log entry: 8:08:53
